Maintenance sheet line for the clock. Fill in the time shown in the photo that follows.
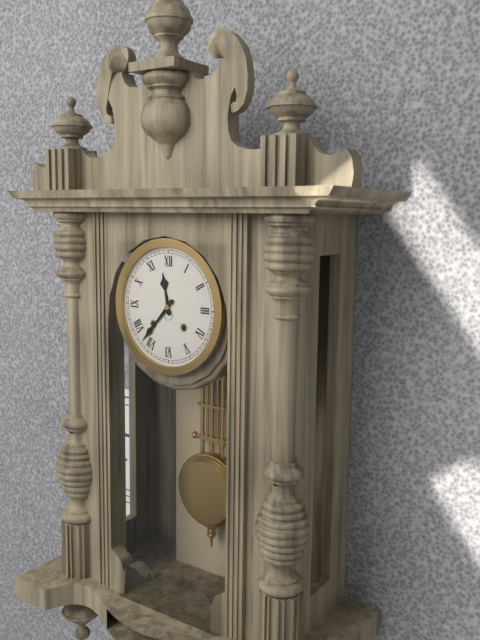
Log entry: 11:37
